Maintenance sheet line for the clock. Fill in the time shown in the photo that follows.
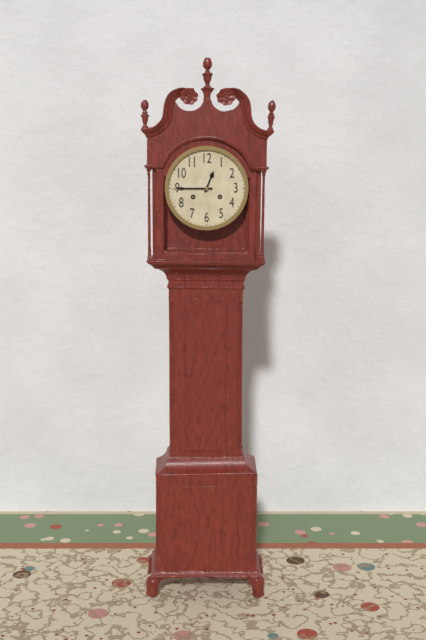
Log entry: 12:45
